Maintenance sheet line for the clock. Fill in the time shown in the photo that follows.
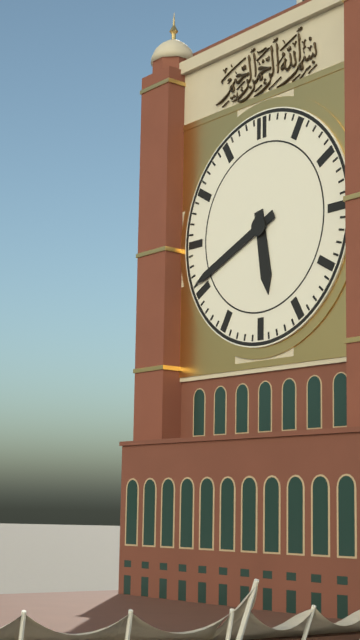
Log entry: 5:41
